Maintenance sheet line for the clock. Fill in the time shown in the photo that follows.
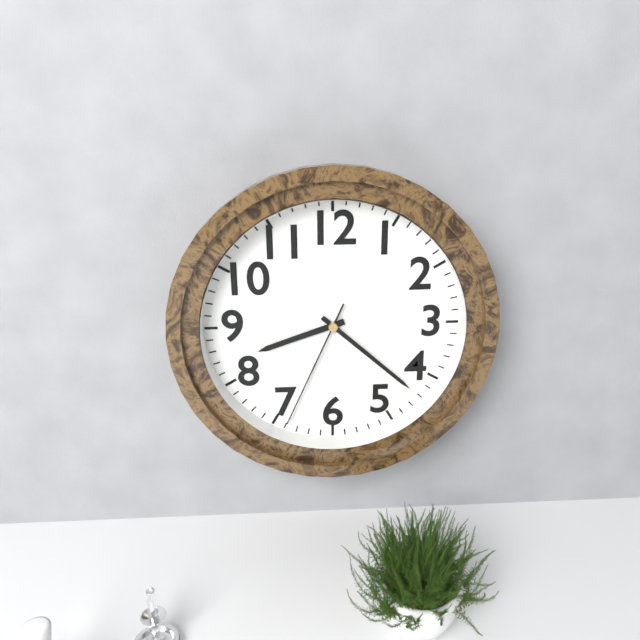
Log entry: 8:22:34
